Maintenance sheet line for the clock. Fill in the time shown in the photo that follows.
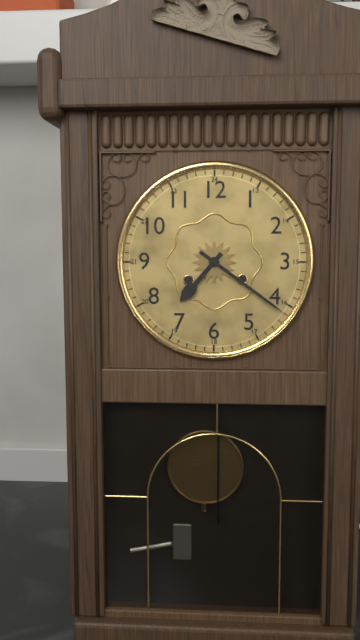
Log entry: 7:21
